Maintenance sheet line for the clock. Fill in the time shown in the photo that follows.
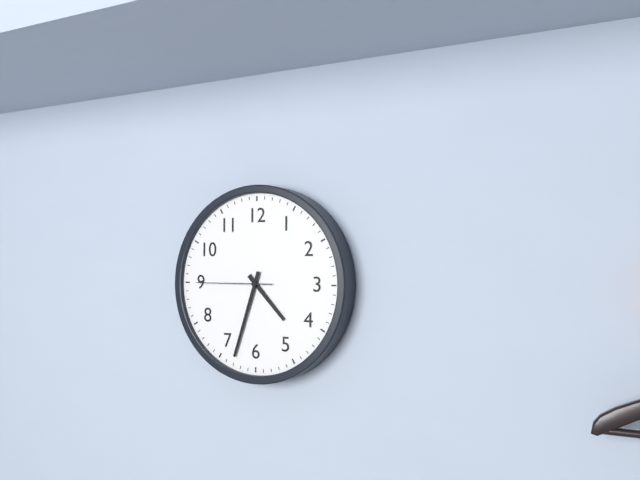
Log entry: 4:33:45
